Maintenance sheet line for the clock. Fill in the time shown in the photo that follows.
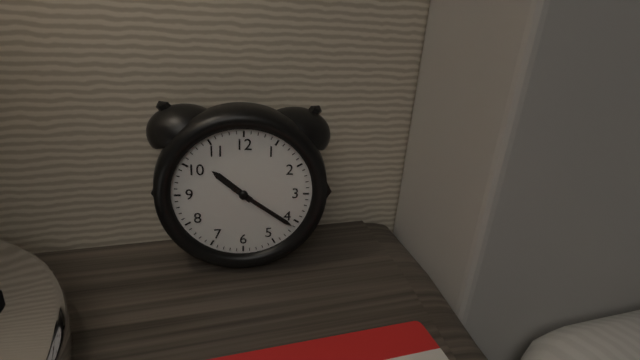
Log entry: 10:21
